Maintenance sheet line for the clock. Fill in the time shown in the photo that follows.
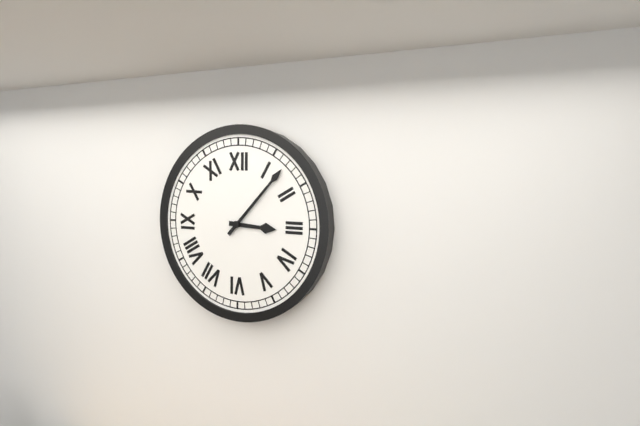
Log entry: 3:07
